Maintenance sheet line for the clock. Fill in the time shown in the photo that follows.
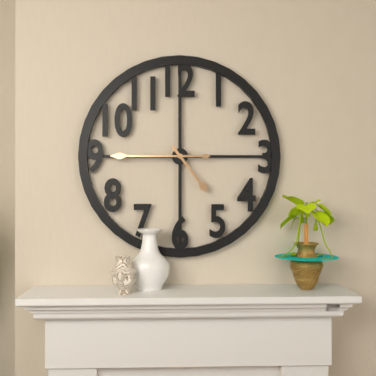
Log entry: 4:45
